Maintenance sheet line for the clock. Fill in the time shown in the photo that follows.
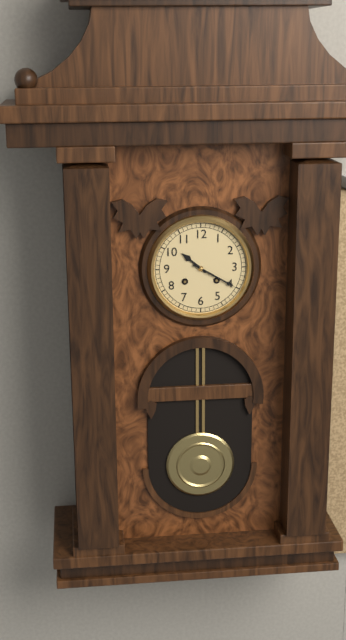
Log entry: 10:20
